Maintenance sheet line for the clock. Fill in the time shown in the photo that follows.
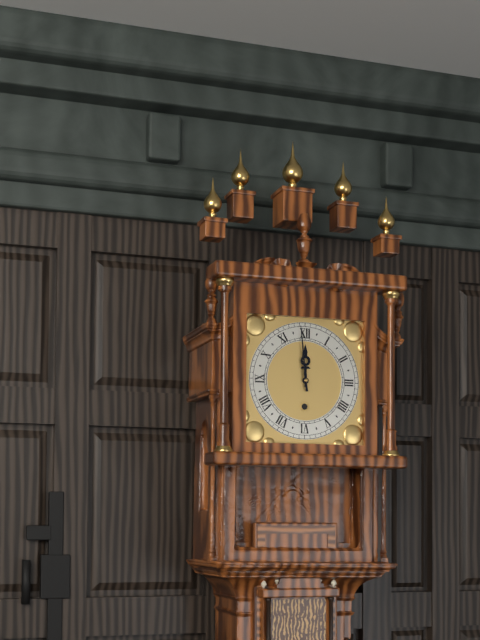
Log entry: 11:59
